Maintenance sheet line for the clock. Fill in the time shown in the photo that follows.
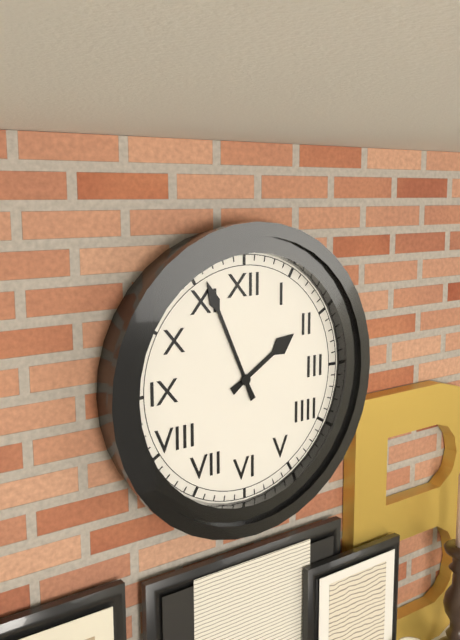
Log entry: 1:56
